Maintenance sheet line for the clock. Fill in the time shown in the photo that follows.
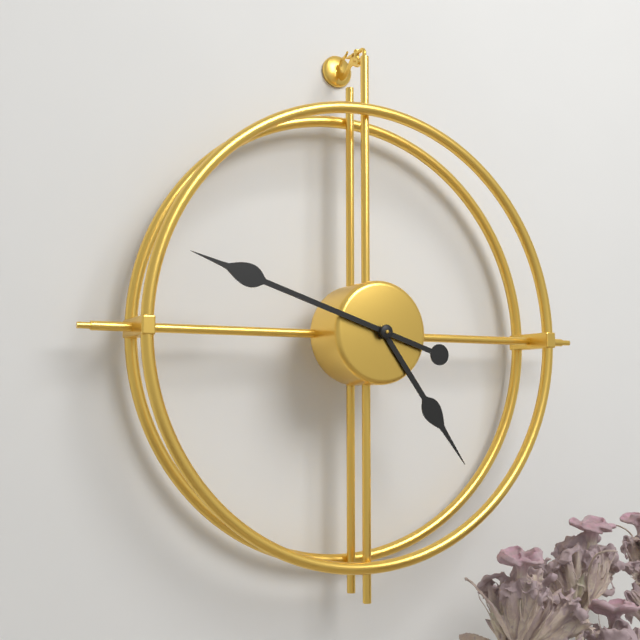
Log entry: 4:48
